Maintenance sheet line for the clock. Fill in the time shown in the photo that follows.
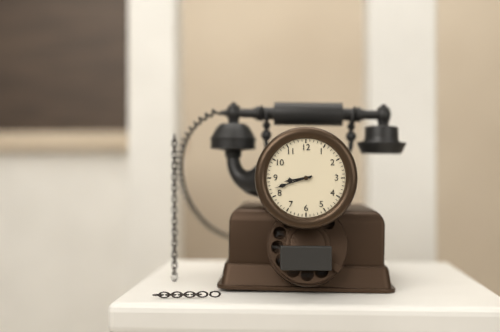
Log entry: 8:42
